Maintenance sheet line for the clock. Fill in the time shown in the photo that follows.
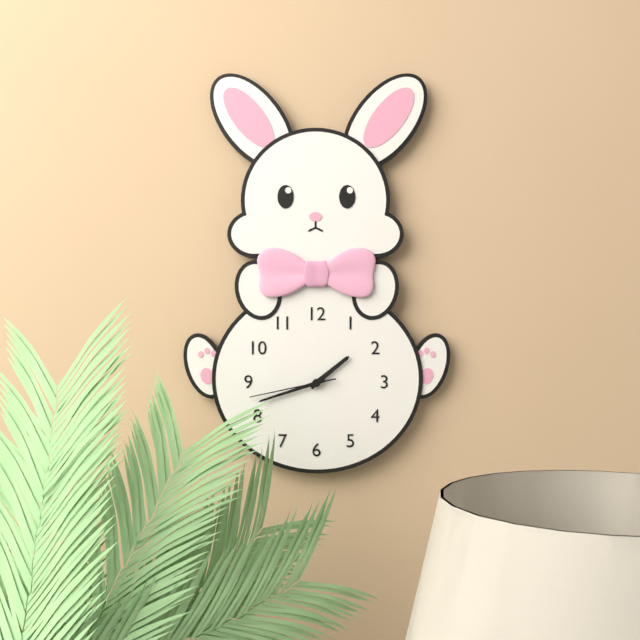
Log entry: 1:42:43
